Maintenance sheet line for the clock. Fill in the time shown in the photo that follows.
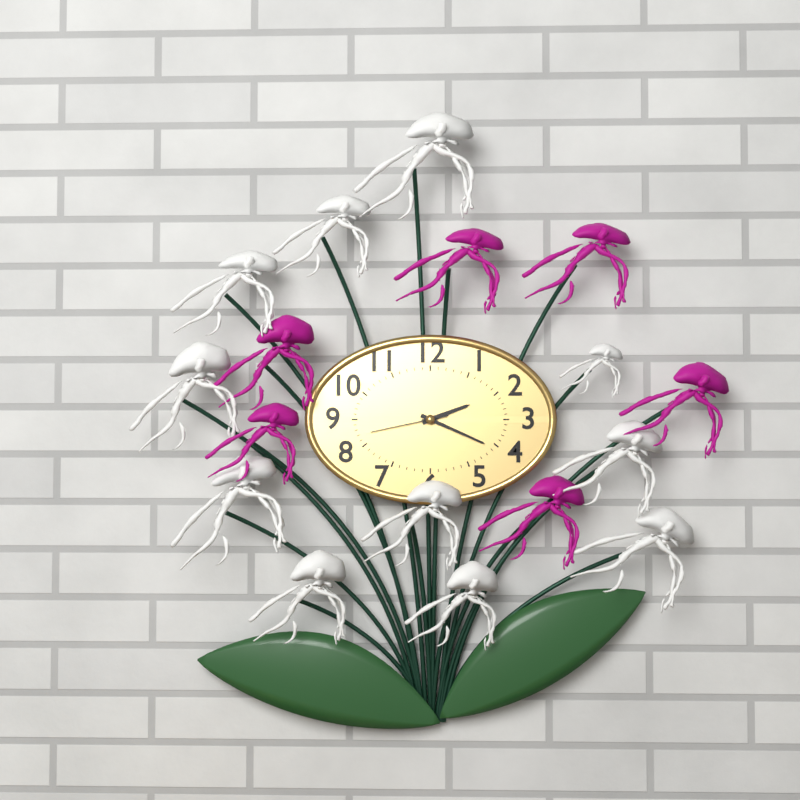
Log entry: 2:19:43
